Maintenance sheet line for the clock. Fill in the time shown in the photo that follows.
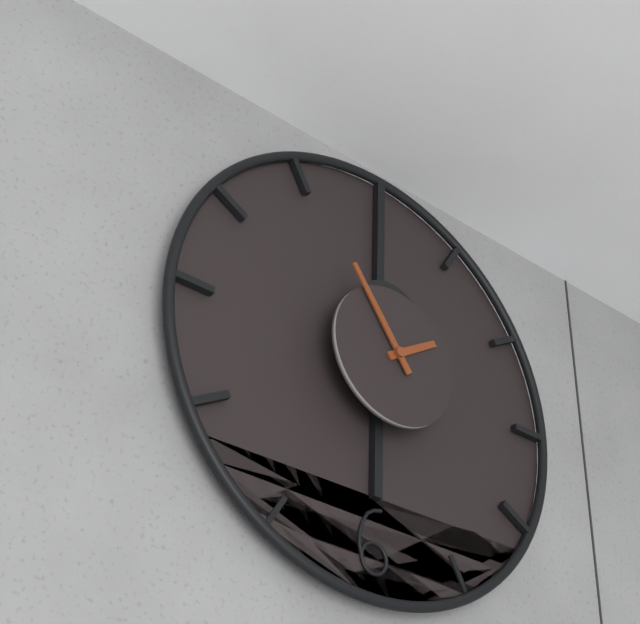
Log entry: 1:54
